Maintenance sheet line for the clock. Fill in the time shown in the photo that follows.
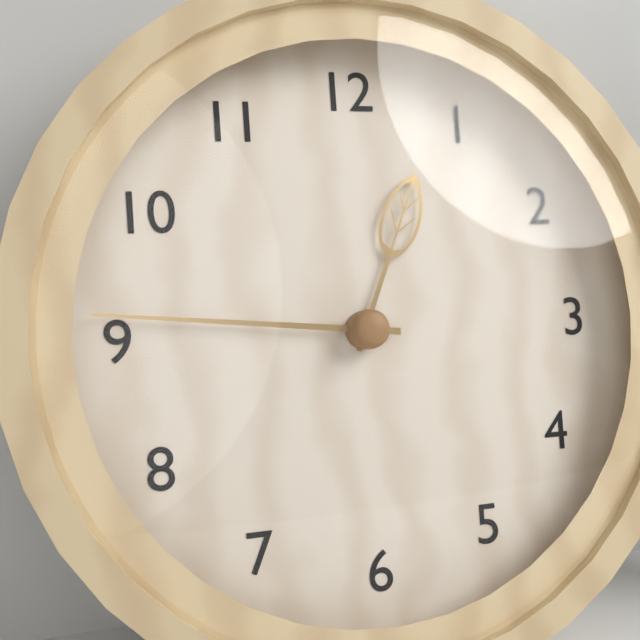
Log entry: 12:46
